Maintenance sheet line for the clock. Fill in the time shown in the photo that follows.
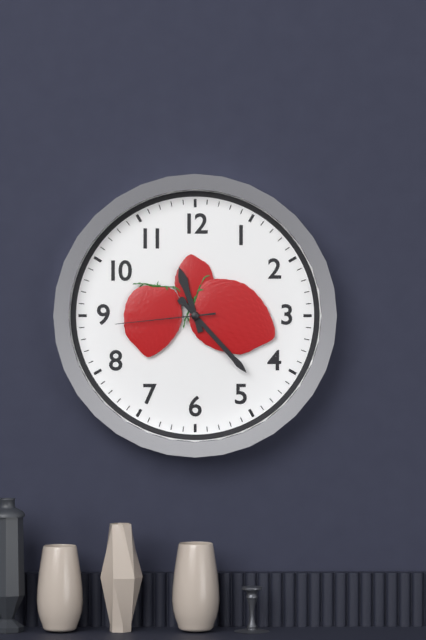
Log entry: 11:23:44
